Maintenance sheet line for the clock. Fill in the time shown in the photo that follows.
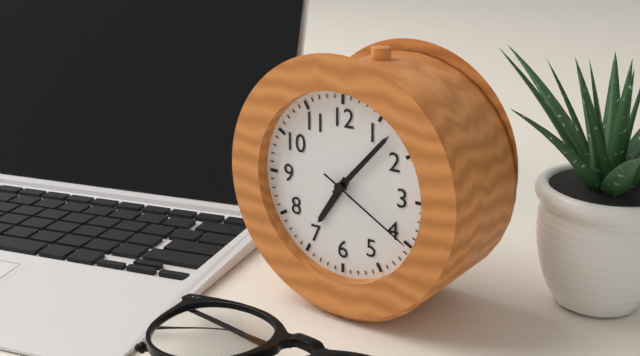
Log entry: 7:07:20
